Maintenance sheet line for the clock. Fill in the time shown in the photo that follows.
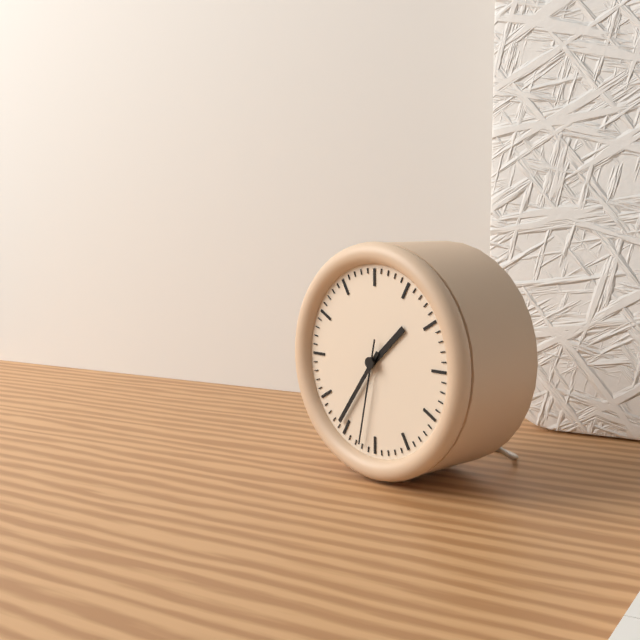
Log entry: 1:36:32
